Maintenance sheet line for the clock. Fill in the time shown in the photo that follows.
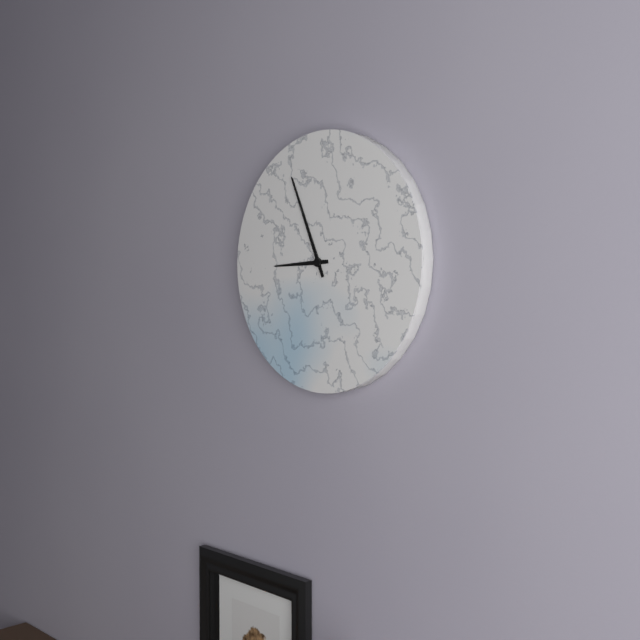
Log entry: 8:56
